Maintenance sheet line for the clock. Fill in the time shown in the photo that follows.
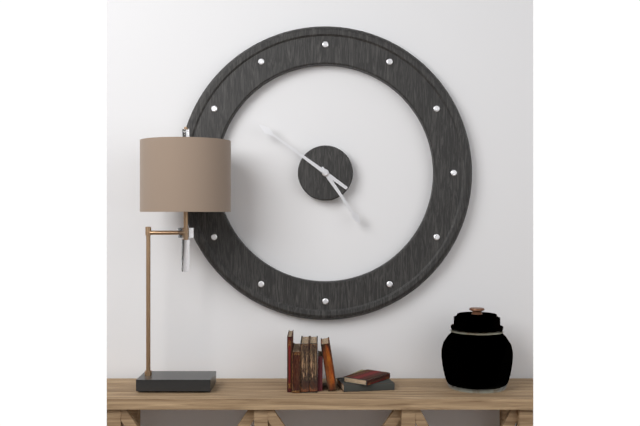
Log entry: 4:51
